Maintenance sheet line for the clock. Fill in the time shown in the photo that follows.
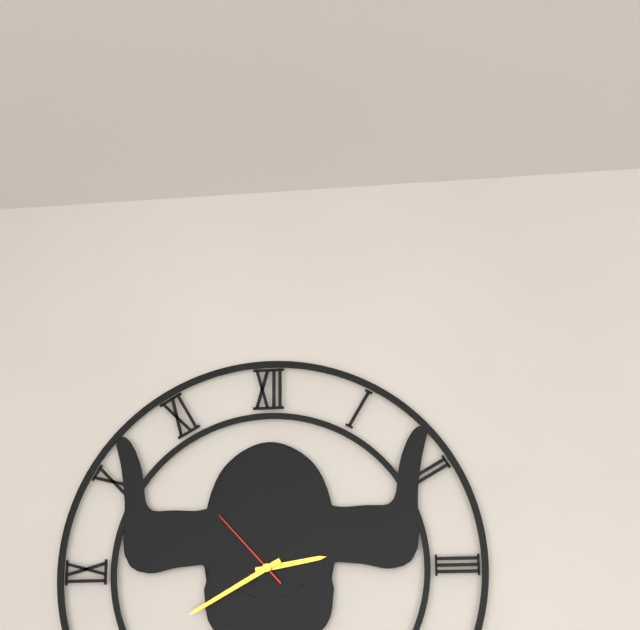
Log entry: 2:40:53
